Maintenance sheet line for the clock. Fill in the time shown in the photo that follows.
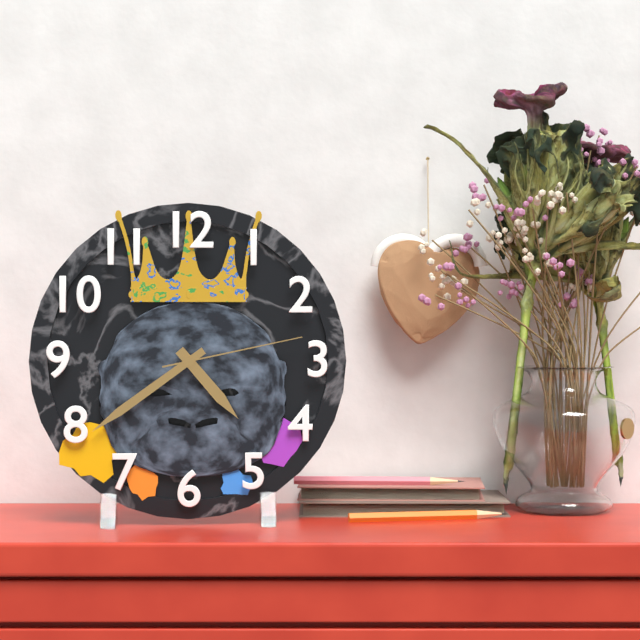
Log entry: 4:39:13
